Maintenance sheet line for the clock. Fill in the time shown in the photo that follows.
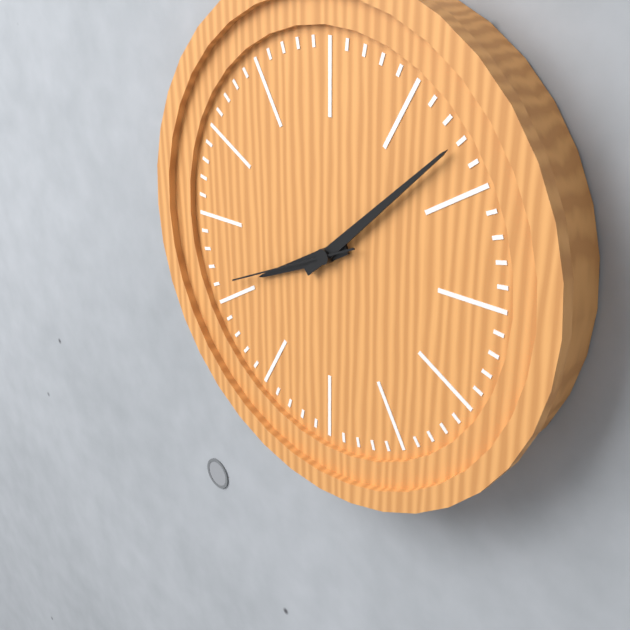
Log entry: 8:08:41
